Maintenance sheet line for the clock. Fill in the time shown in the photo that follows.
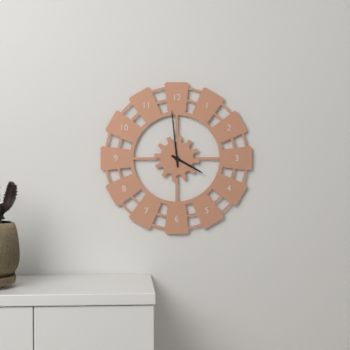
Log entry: 3:59
